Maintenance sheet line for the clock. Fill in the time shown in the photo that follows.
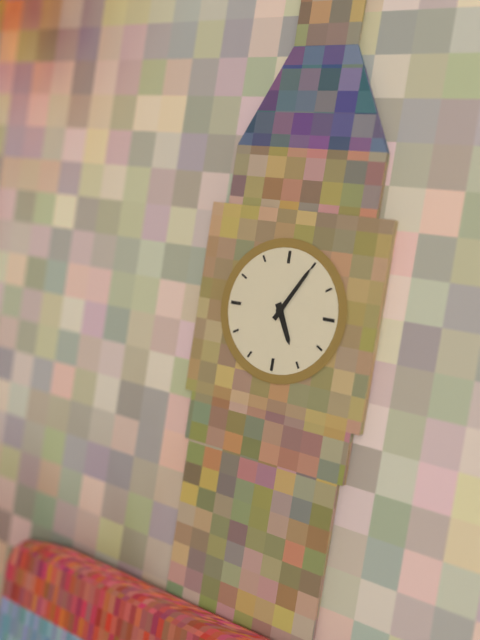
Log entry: 5:05
